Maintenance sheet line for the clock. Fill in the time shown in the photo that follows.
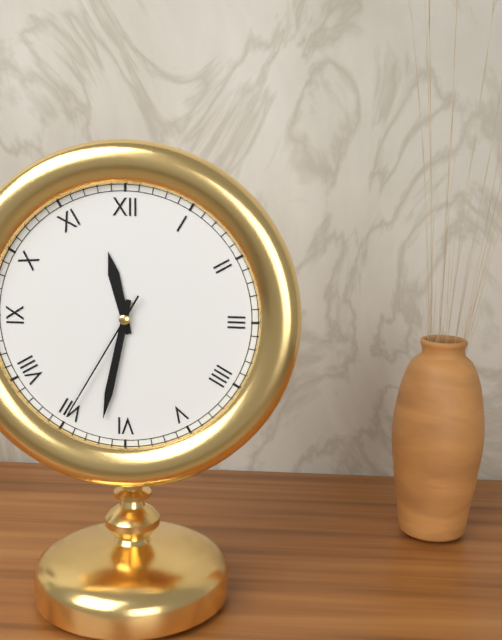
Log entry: 11:32:35
